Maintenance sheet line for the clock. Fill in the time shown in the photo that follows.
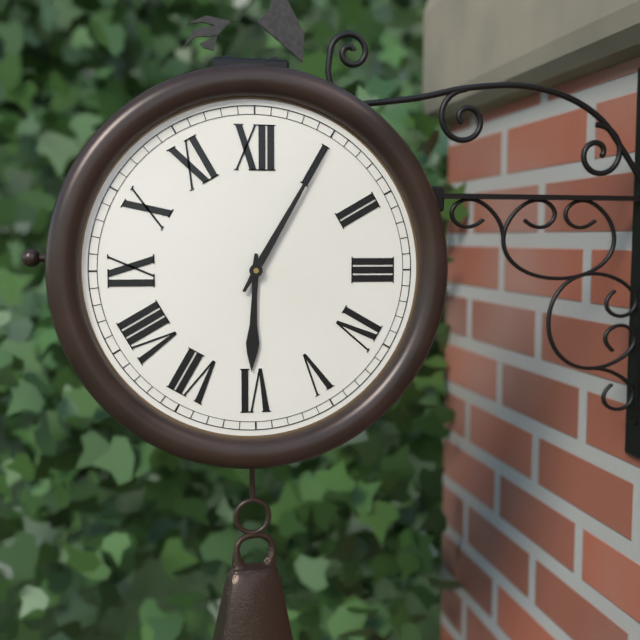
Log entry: 6:05
